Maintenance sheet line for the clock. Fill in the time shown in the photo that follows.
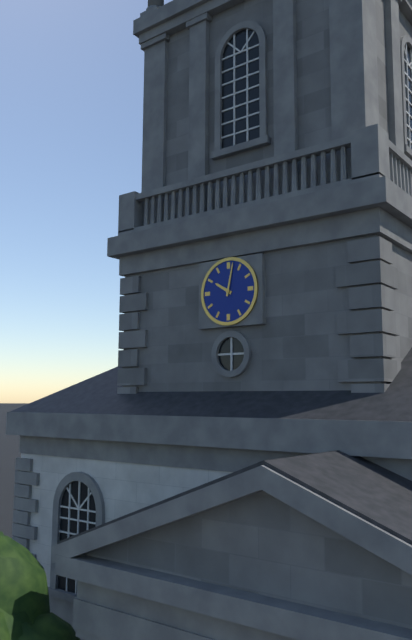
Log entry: 10:02
